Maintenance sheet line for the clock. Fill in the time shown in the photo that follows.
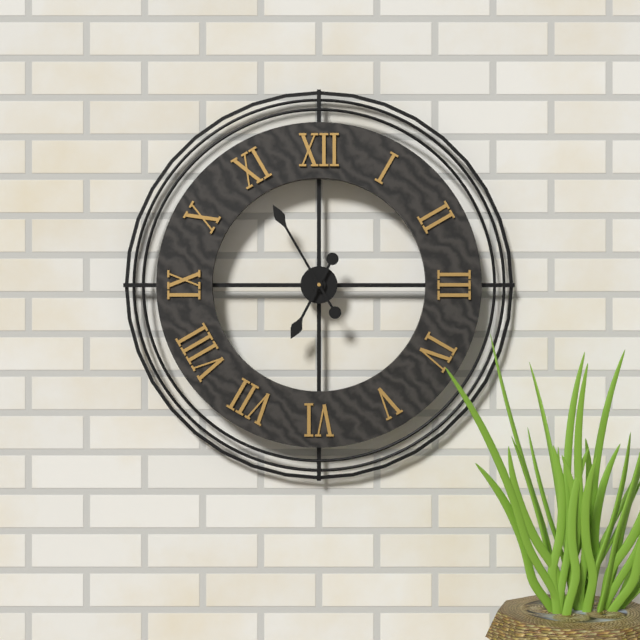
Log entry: 6:55
